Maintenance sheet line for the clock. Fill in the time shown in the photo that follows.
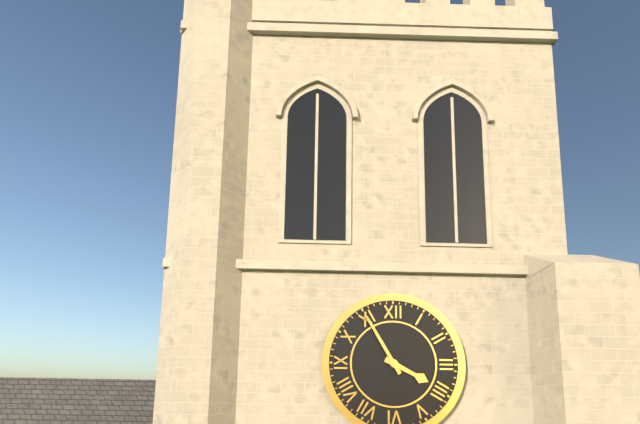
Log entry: 3:55
